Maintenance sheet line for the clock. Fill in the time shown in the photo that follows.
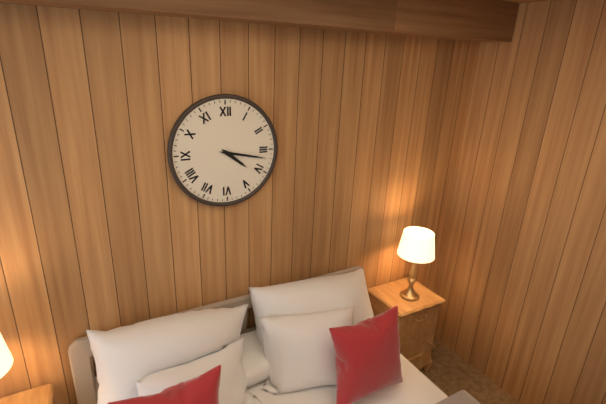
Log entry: 4:17
